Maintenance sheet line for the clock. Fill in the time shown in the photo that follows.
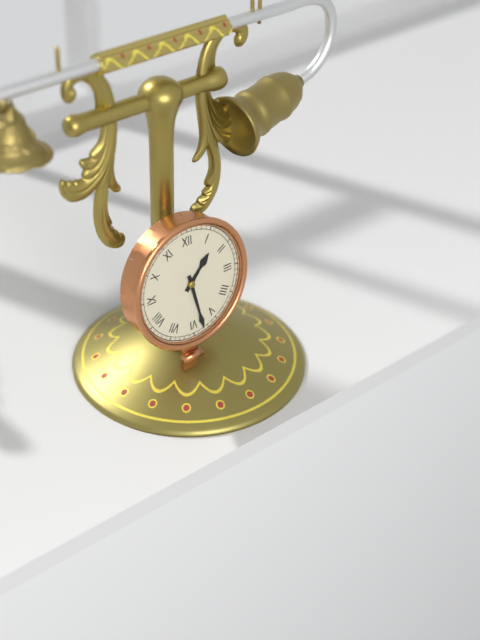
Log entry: 1:28
